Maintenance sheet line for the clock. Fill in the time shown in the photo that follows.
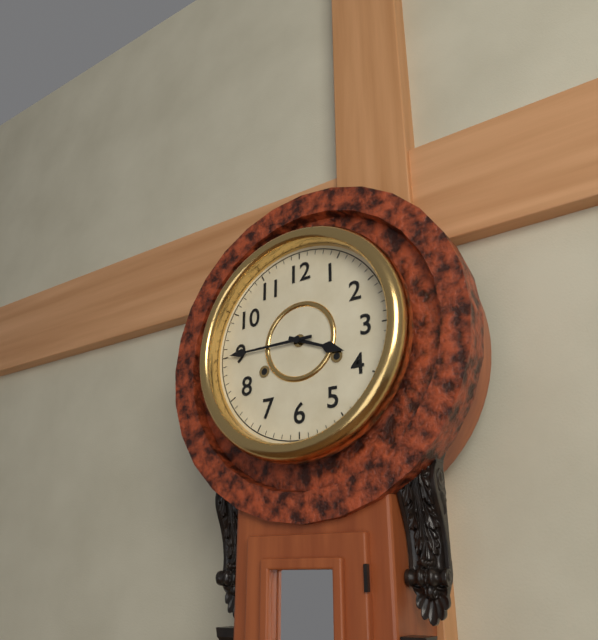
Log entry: 3:45
